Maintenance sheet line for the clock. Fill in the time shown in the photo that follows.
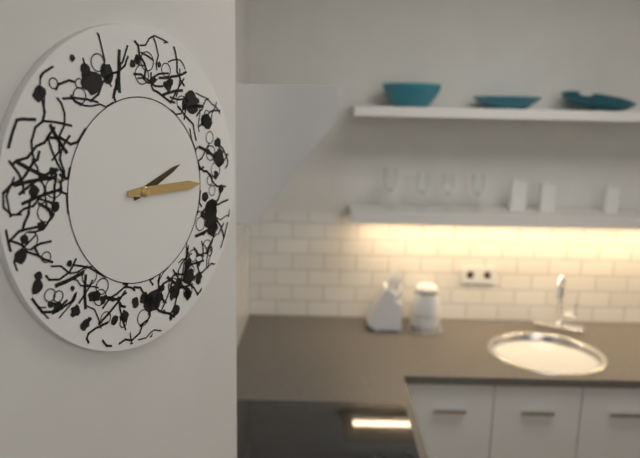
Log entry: 2:15
